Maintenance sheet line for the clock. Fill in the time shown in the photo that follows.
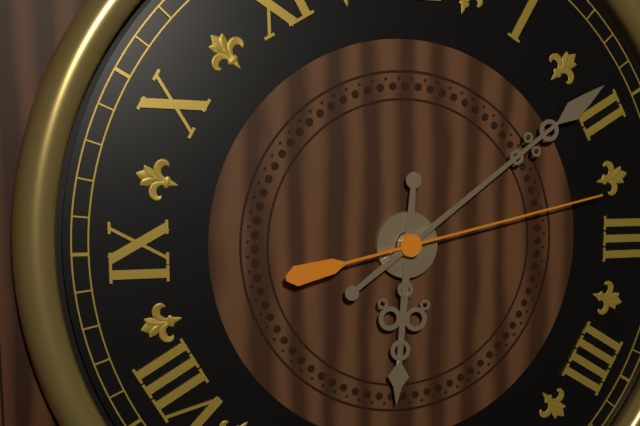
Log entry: 6:09:13
